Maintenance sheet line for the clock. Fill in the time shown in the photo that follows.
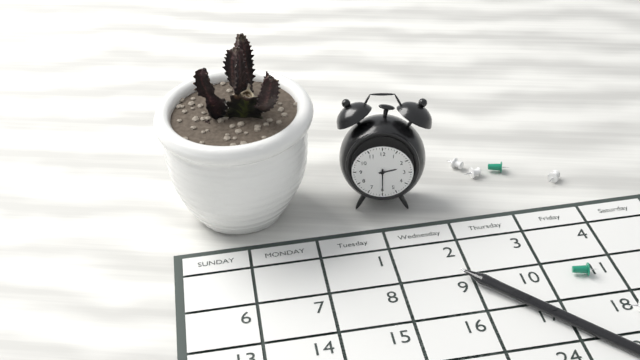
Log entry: 2:30
